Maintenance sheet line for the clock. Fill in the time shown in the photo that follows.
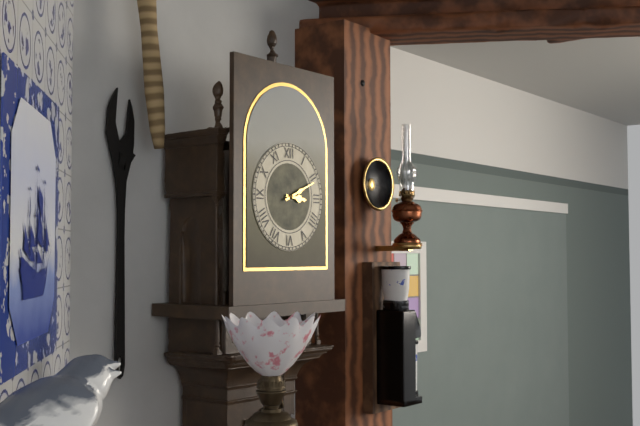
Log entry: 3:11
